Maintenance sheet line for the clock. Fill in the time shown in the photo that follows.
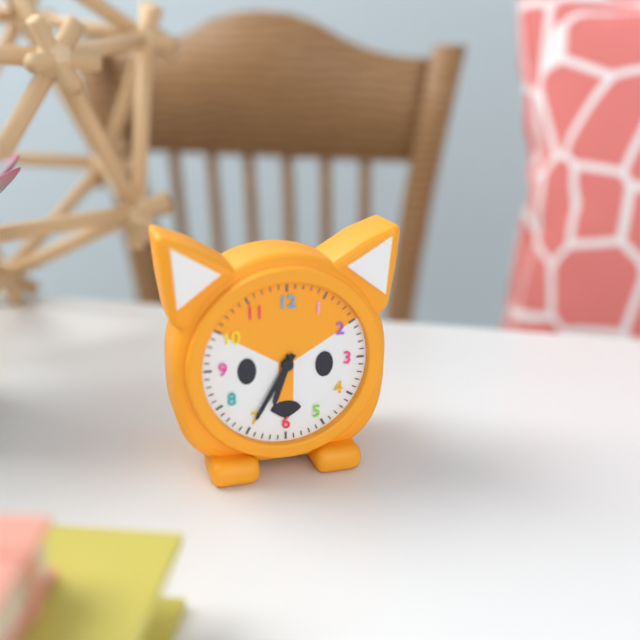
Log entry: 6:35
